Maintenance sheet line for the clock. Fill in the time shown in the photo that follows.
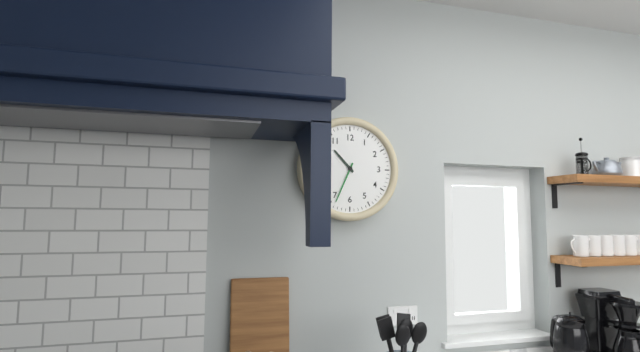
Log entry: 10:34
